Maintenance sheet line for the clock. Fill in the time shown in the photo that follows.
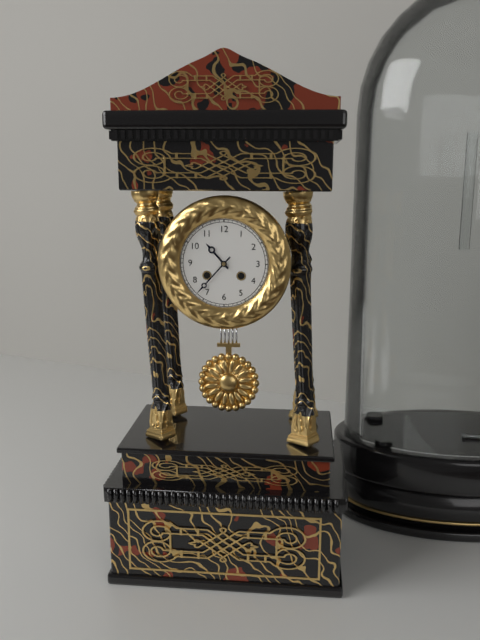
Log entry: 10:37
